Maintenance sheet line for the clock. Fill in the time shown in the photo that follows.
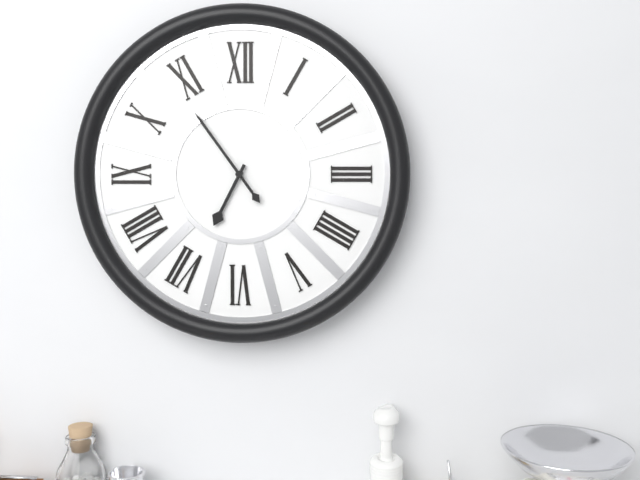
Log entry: 6:54
